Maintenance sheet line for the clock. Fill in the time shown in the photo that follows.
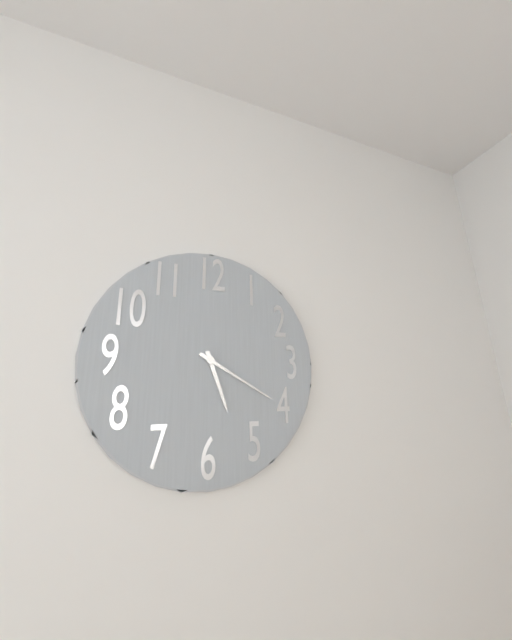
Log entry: 5:20
